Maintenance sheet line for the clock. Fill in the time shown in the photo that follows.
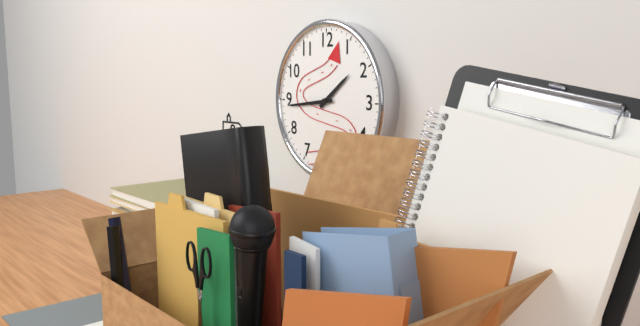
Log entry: 1:44
